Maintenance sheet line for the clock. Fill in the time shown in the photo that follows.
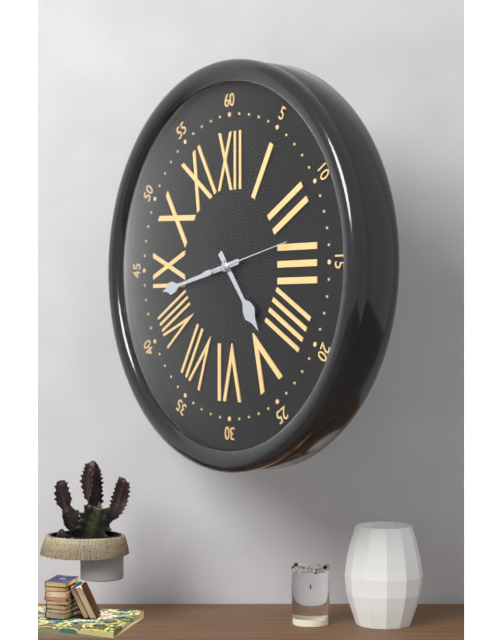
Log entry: 4:43:13
